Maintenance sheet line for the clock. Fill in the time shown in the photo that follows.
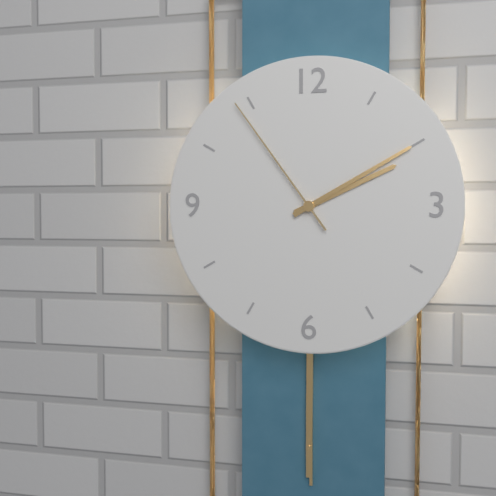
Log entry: 2:10:54
